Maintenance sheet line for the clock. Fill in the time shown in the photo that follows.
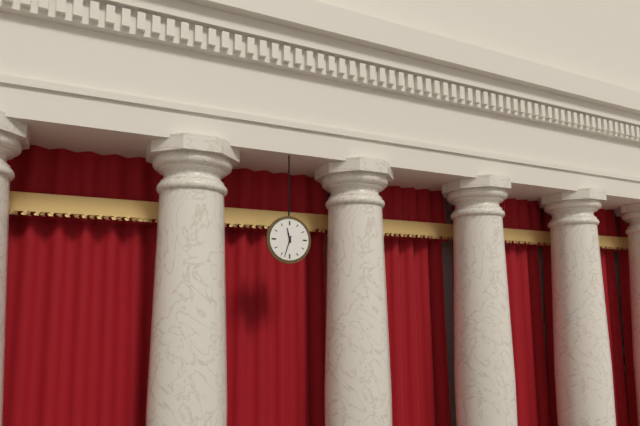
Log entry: 11:33
